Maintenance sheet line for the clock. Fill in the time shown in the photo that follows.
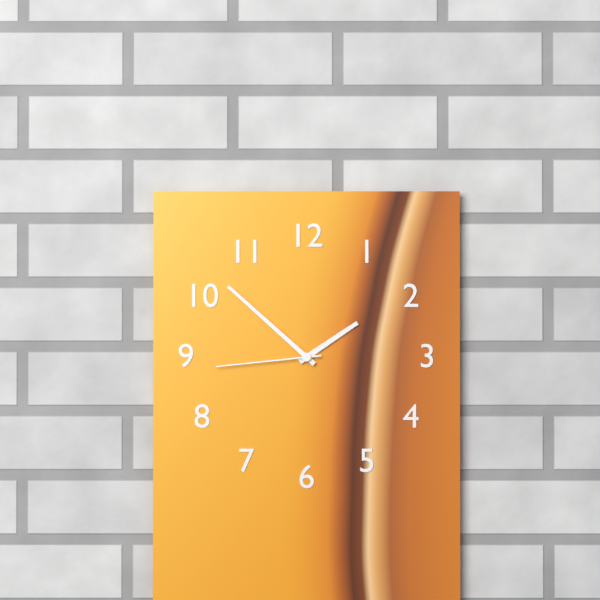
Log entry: 1:52:44
